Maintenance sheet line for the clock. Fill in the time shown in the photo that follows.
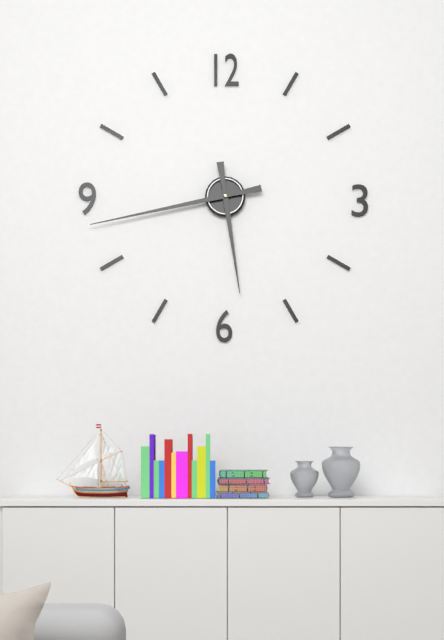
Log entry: 5:43
